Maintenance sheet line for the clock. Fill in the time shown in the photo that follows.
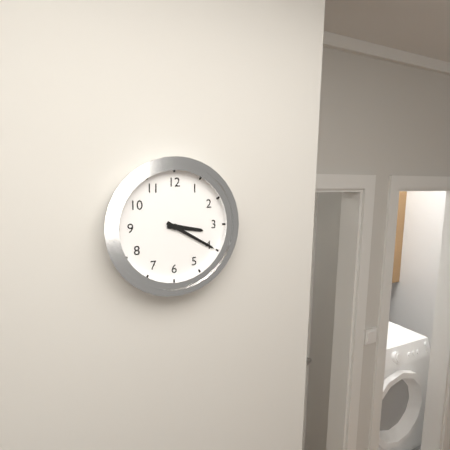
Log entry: 3:20
